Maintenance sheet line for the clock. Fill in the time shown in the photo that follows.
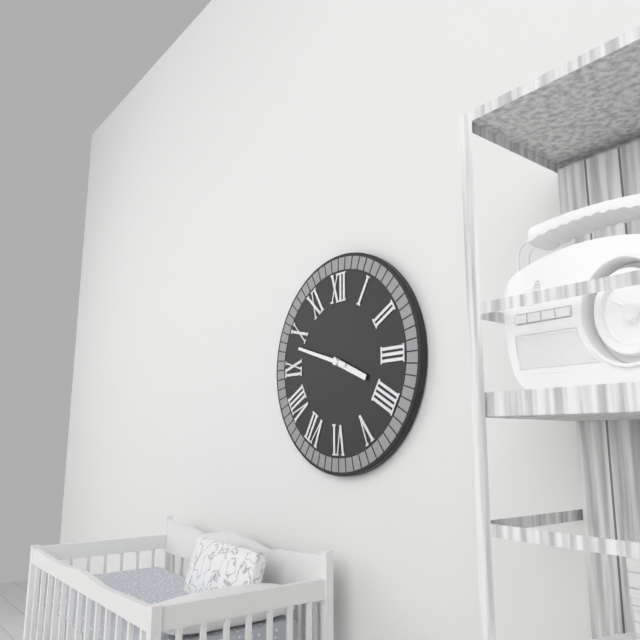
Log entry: 3:48
